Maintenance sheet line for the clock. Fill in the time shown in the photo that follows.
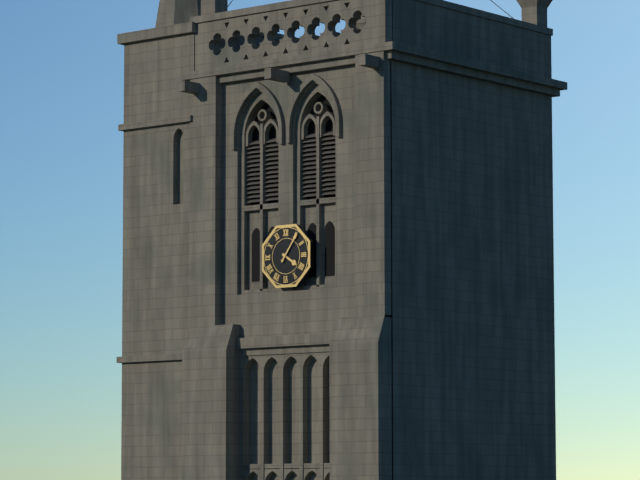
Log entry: 4:06
